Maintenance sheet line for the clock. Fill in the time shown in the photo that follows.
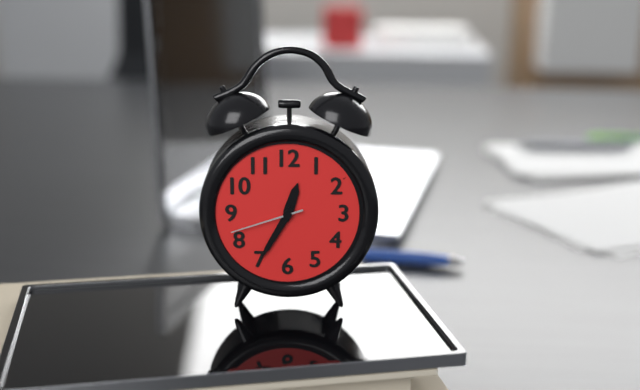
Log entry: 12:35:42
